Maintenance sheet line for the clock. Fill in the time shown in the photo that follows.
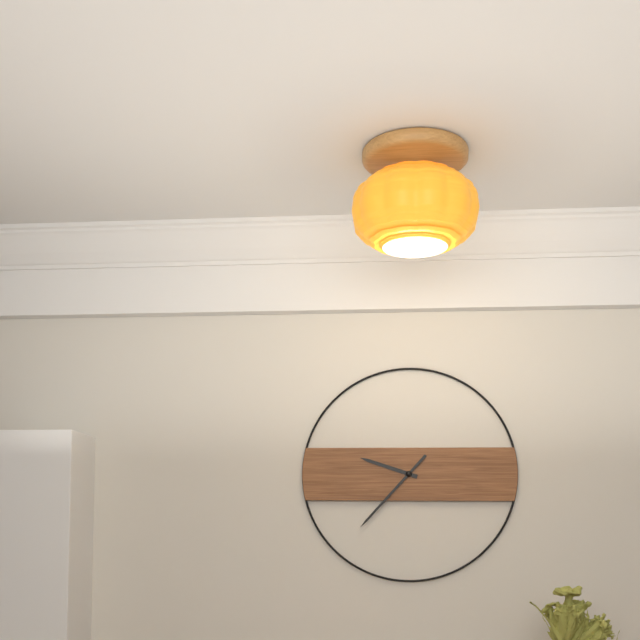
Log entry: 9:37
